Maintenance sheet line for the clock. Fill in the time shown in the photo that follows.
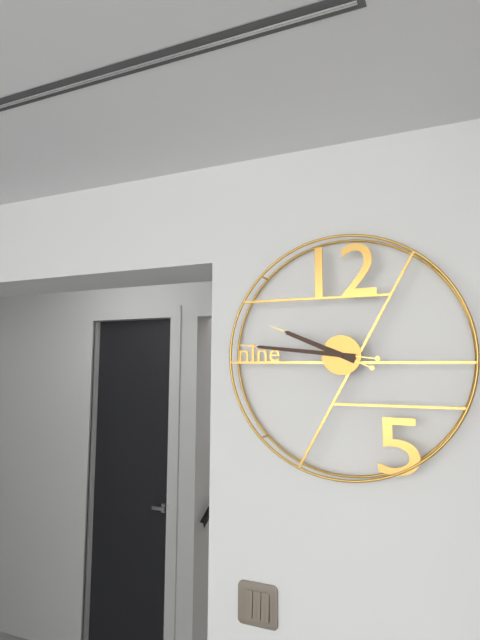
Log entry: 9:46
